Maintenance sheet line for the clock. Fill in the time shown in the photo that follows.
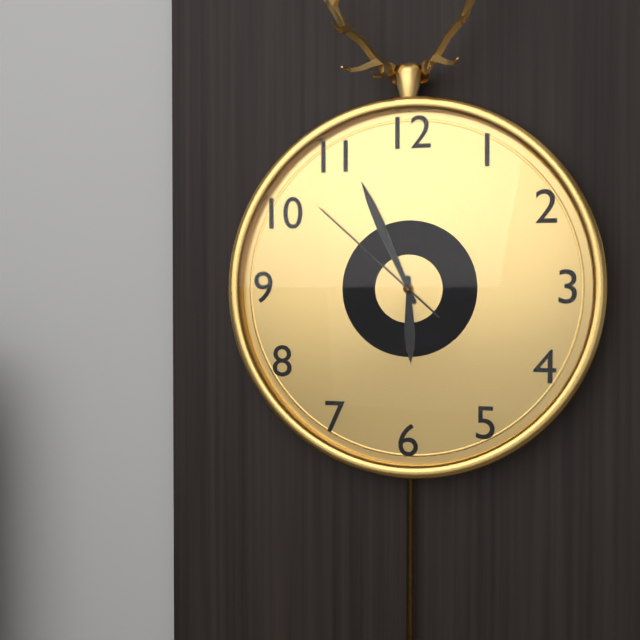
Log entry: 5:56:52
